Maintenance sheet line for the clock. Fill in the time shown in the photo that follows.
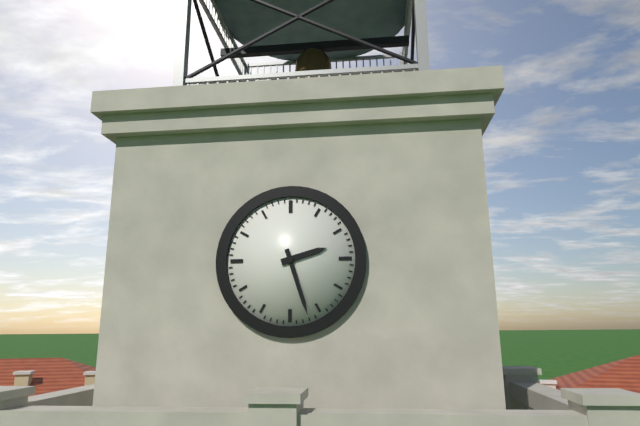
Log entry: 2:27
